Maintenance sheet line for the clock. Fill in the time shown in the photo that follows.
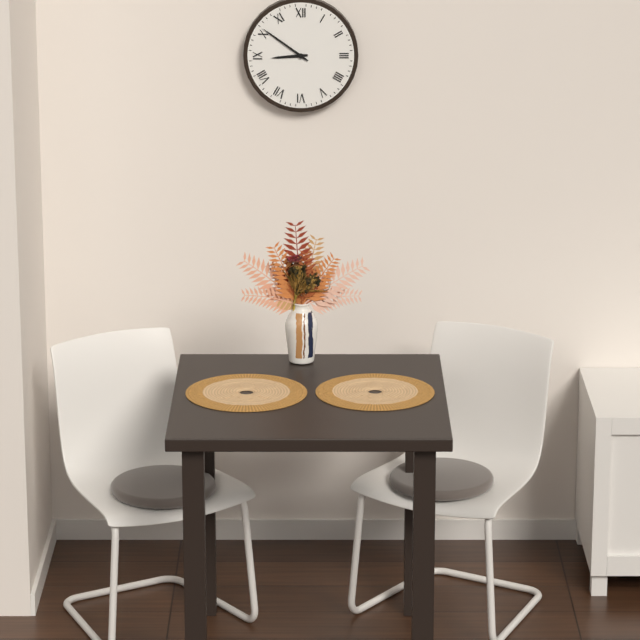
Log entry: 8:51
